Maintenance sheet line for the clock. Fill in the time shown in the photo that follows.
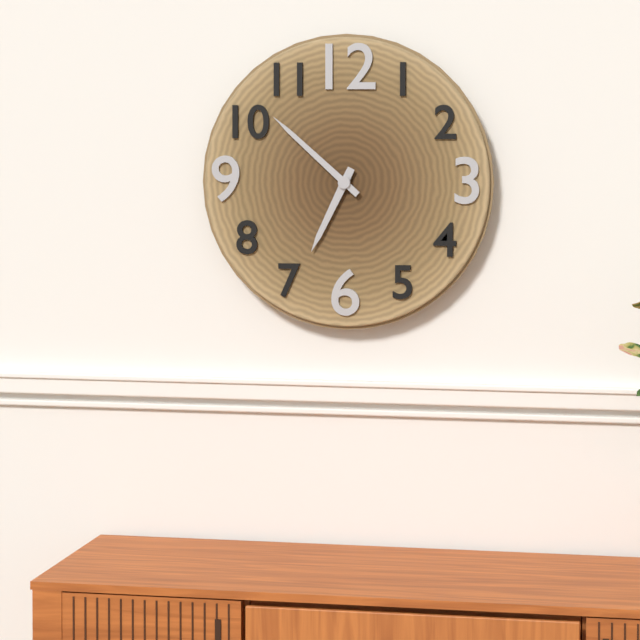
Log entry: 6:52
